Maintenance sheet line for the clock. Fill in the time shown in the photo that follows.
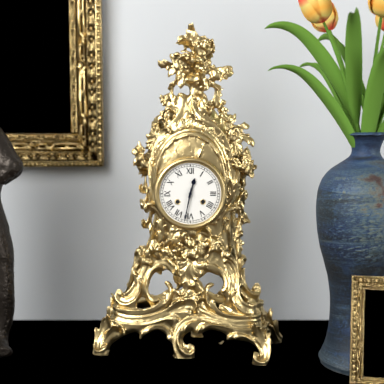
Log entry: 12:32
